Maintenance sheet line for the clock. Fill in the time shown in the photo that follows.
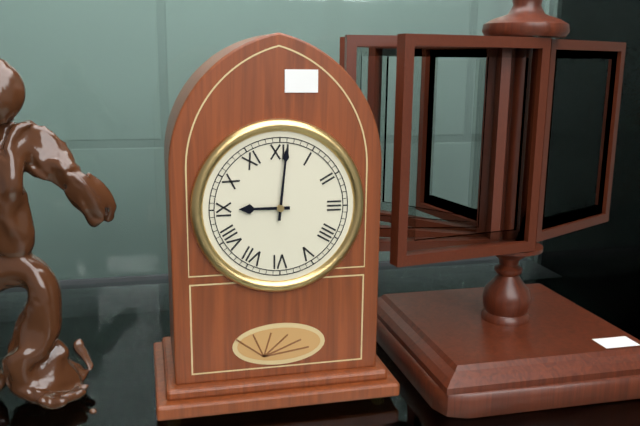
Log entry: 9:01
